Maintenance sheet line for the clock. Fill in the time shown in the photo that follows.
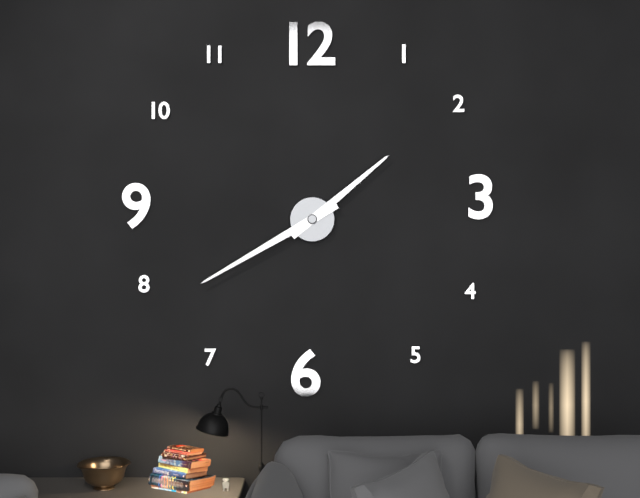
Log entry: 1:40
